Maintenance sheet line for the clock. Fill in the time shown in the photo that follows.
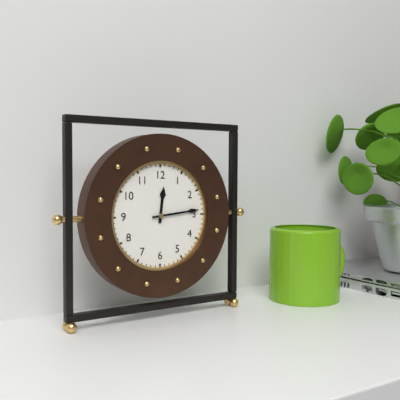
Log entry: 12:14
